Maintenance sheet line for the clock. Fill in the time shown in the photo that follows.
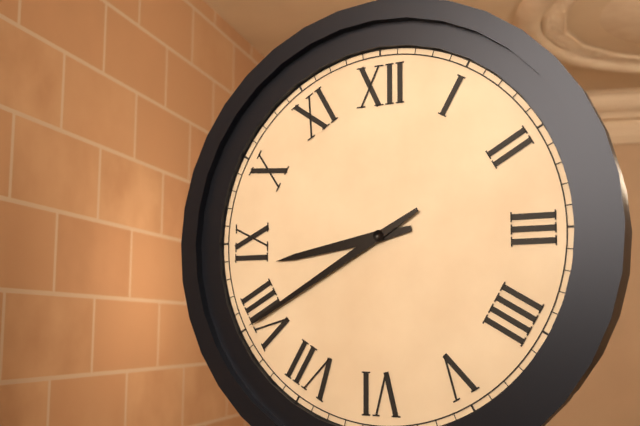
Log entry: 8:40
